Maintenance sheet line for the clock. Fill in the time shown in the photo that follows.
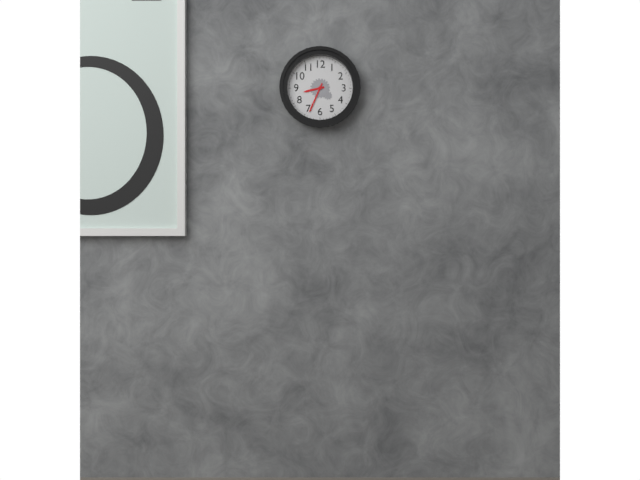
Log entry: 8:34
